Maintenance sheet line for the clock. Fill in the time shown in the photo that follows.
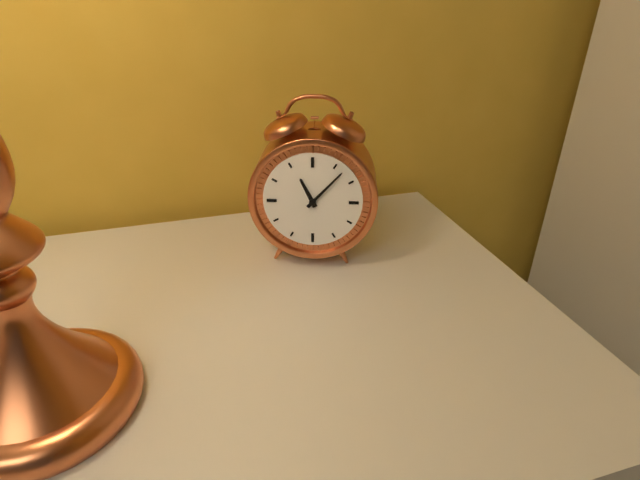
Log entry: 11:07
